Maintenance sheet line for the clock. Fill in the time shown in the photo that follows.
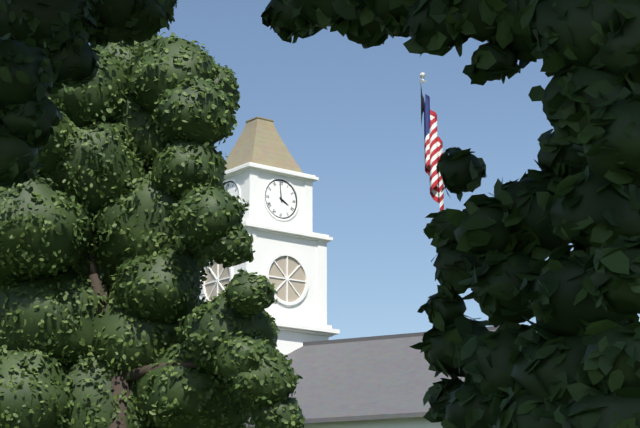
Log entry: 3:59
